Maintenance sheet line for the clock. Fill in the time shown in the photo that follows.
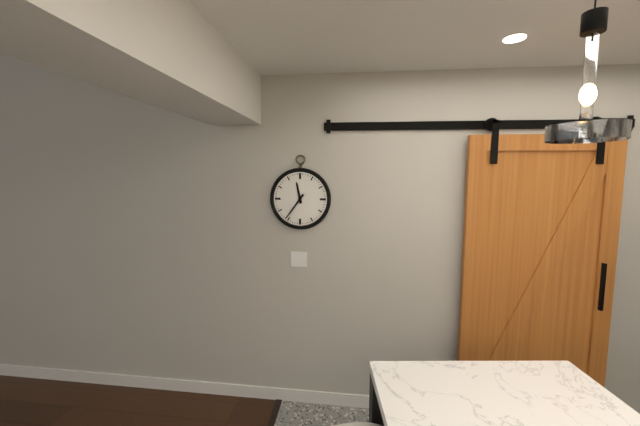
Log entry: 11:36
